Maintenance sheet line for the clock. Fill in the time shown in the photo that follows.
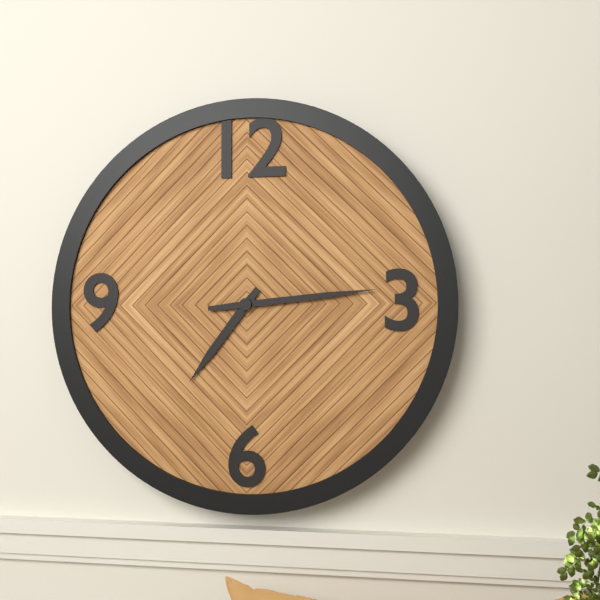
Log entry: 7:14
